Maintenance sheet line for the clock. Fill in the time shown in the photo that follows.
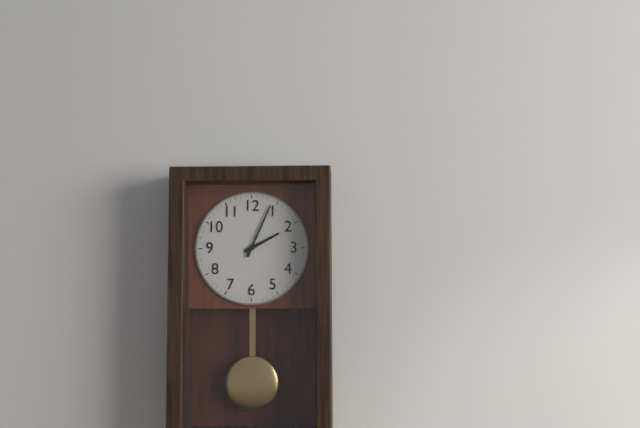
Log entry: 2:04
